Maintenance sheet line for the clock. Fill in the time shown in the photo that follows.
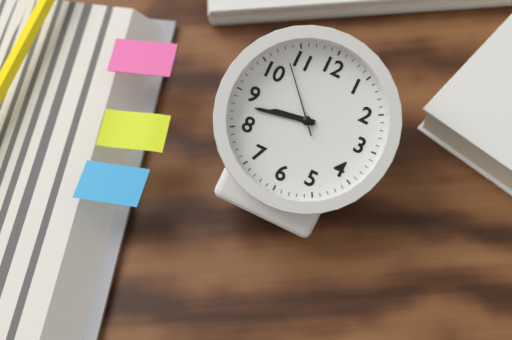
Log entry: 8:43:53
